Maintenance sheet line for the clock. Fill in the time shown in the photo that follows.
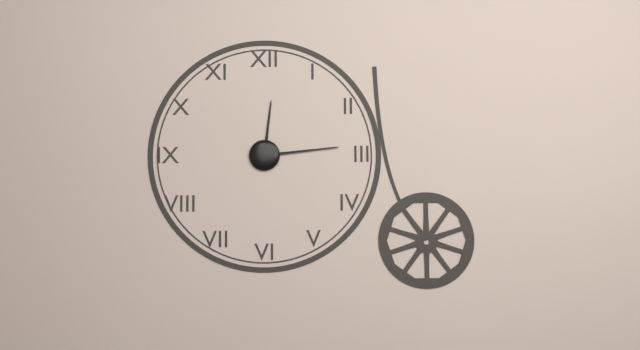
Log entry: 12:14
